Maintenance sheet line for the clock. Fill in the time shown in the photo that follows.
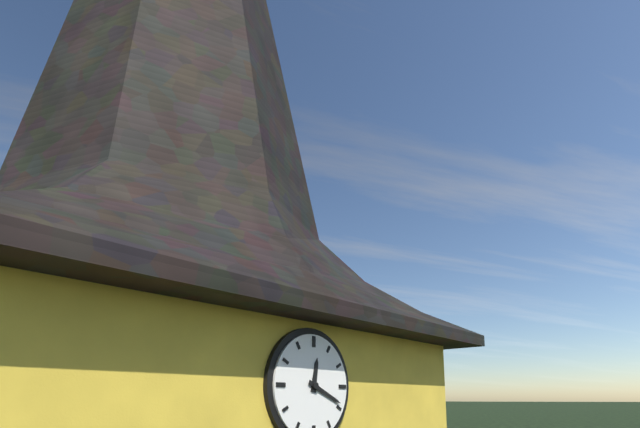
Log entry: 12:19
